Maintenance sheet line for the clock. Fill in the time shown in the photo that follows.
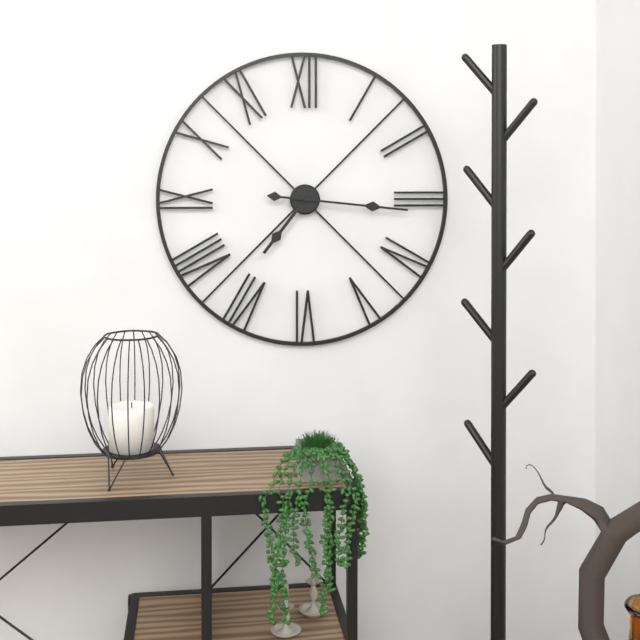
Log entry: 7:16
